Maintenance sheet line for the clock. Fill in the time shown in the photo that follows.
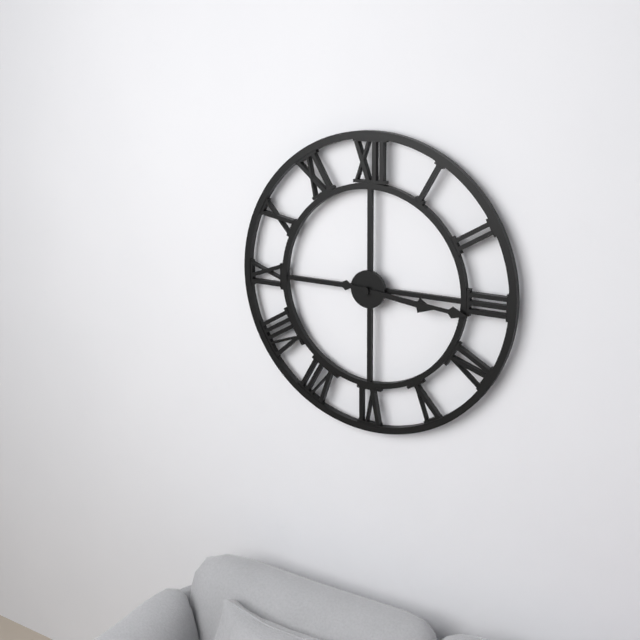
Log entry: 3:16
